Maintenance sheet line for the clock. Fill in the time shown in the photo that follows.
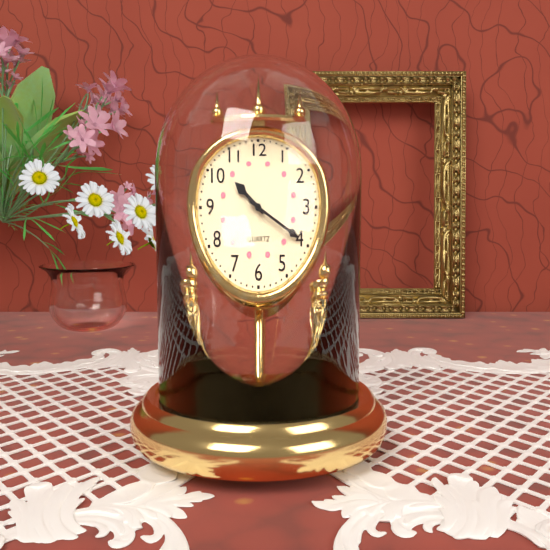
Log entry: 10:20
